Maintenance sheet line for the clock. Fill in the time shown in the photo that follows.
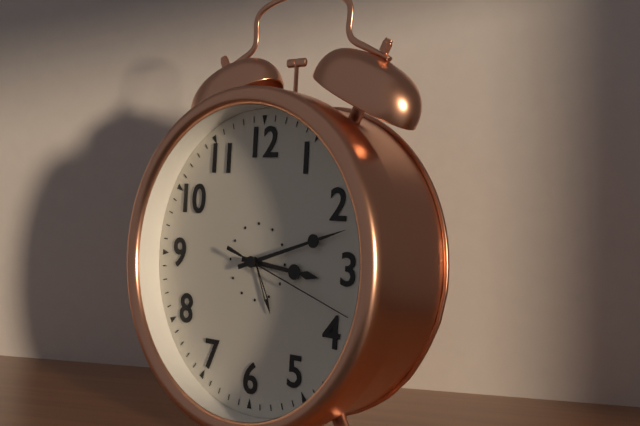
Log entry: 3:12:18
